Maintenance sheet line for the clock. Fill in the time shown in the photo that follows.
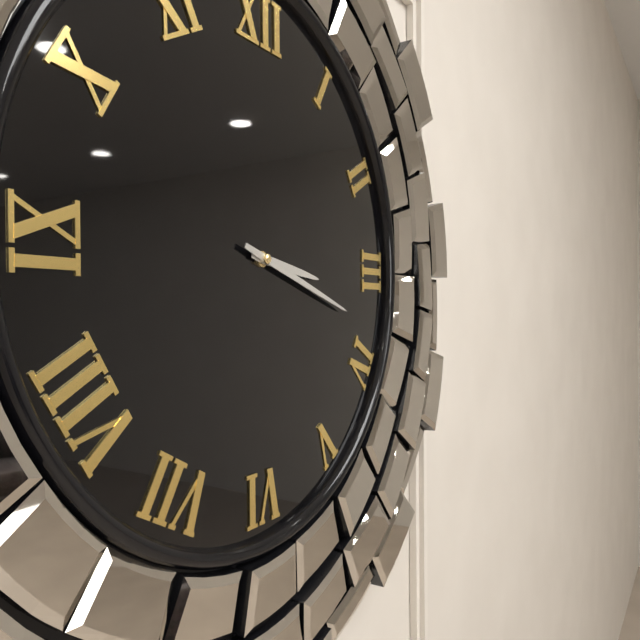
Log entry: 3:18
